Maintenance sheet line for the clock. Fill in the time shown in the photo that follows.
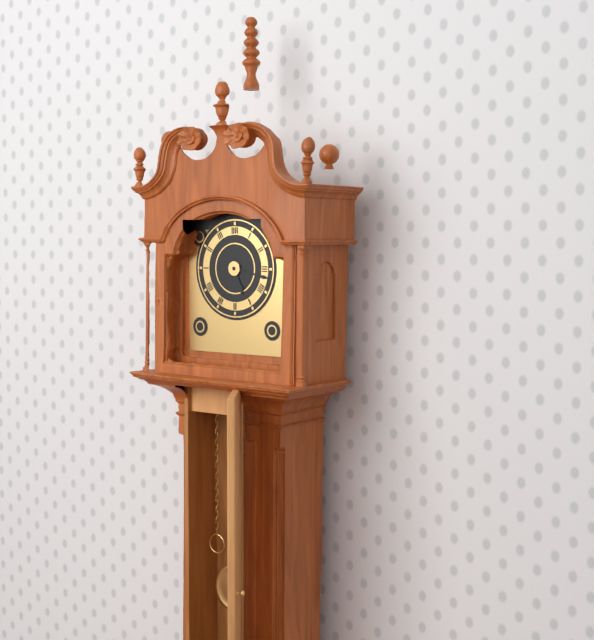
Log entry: 5:17
